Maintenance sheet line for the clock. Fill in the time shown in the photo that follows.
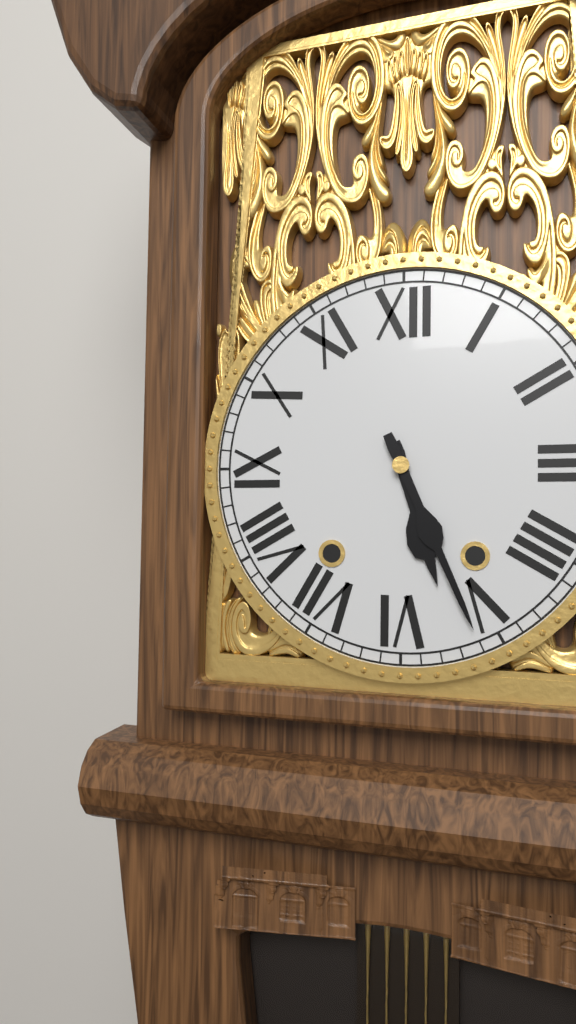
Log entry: 5:26
